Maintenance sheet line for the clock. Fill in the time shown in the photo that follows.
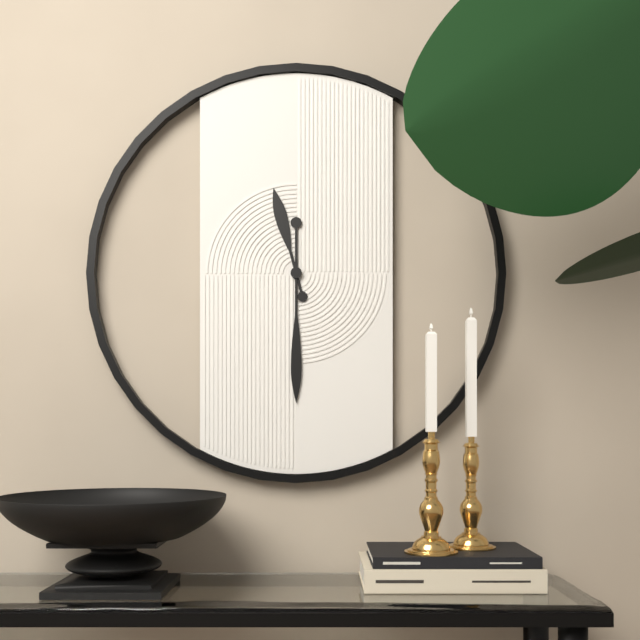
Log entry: 11:30
